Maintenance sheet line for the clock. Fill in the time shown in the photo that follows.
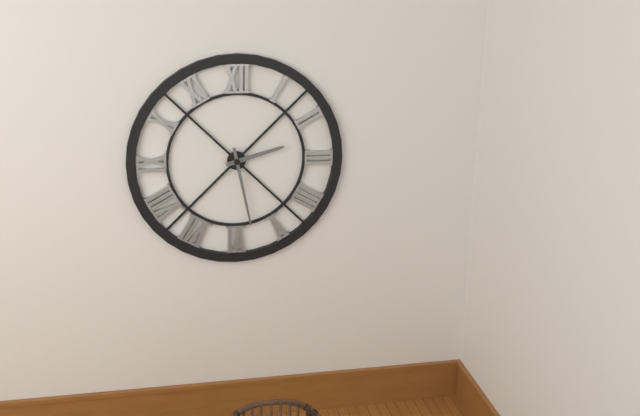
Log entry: 2:28
